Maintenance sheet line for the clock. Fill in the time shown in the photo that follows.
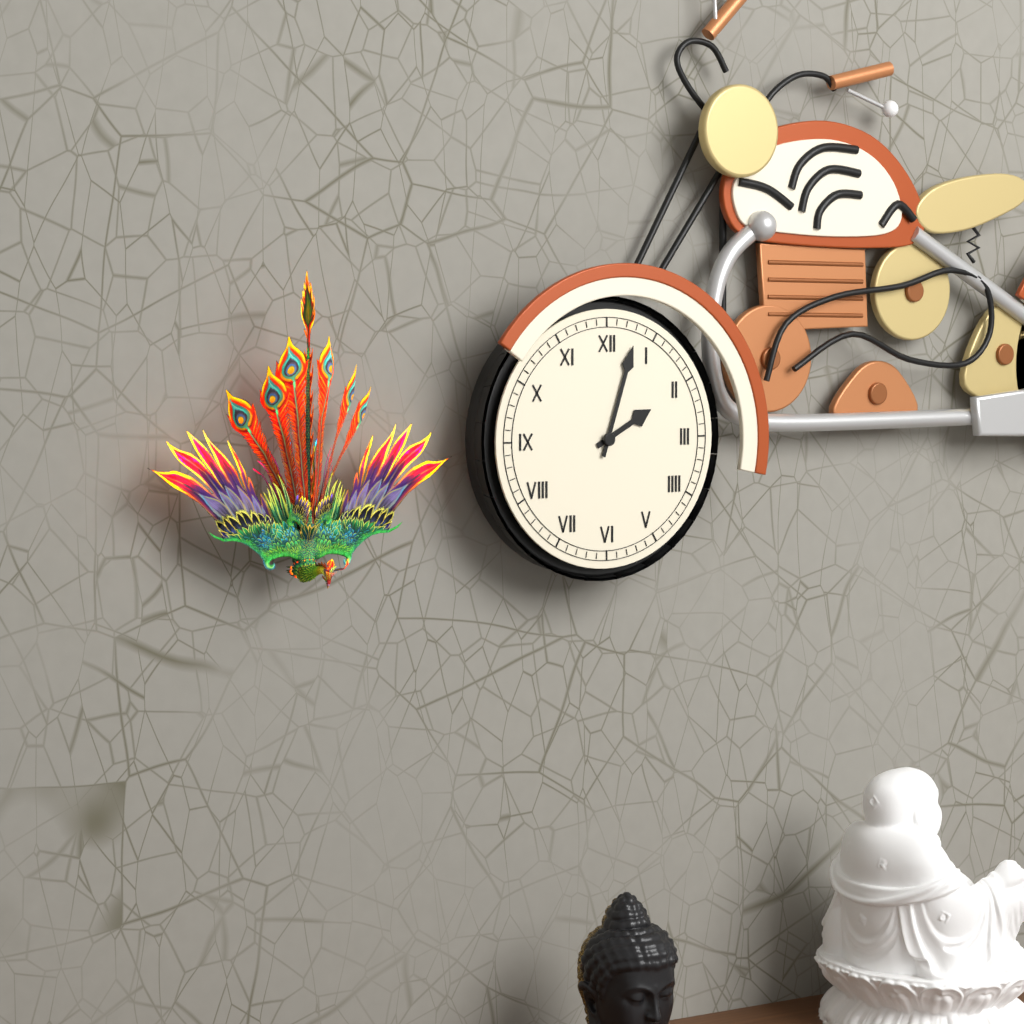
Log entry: 2:03
